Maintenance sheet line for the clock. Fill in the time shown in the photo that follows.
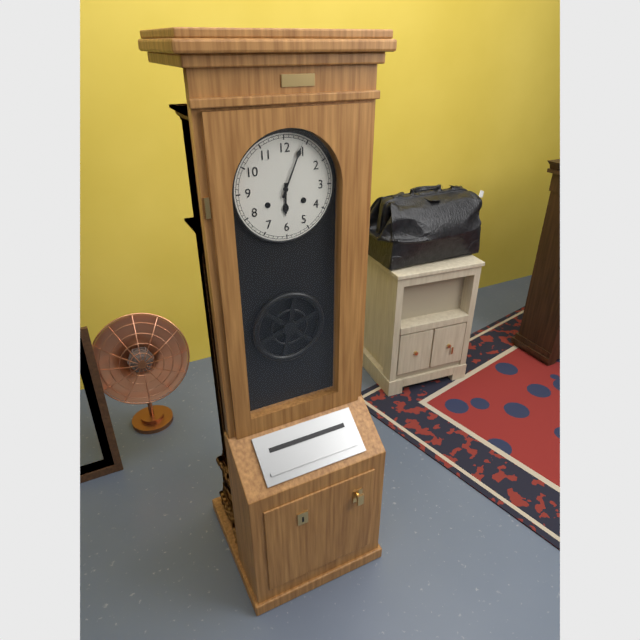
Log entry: 6:04
